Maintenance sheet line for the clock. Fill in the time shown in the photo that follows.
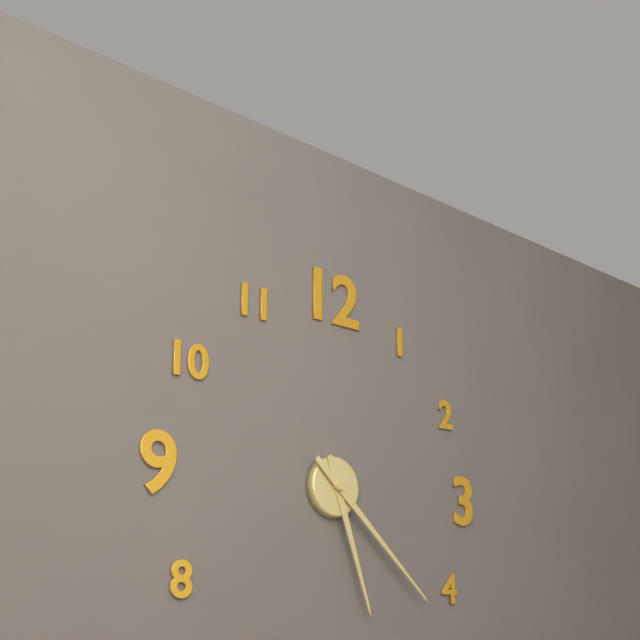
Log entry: 5:22
